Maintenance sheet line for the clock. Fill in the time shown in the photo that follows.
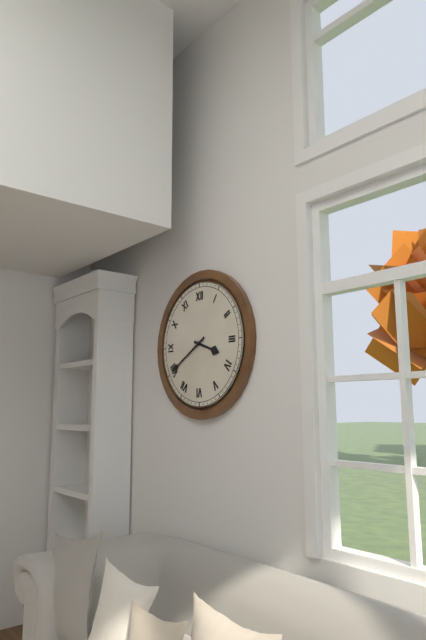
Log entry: 3:40
